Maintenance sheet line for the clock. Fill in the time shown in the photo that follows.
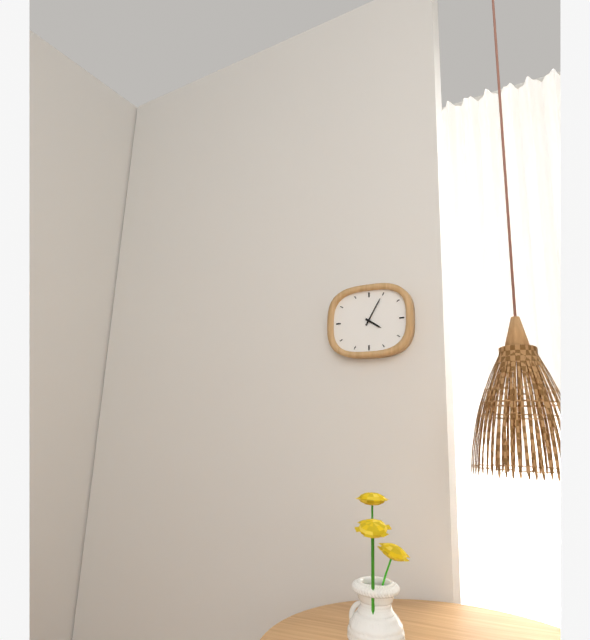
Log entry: 4:05
